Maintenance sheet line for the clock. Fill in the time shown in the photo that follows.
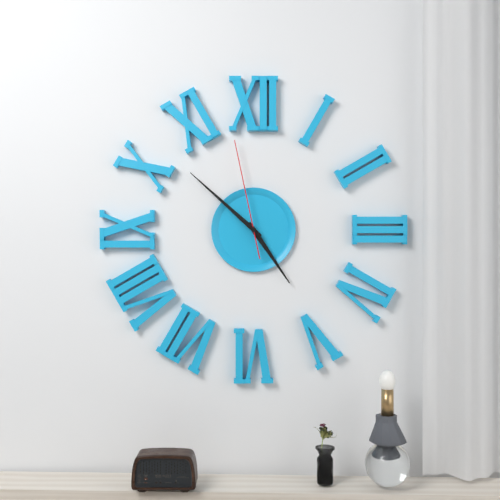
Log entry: 4:52:58
